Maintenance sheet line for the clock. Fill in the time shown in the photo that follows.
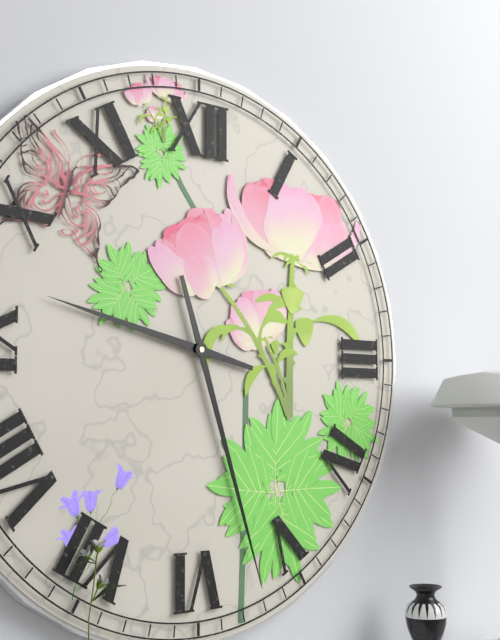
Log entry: 9:27
